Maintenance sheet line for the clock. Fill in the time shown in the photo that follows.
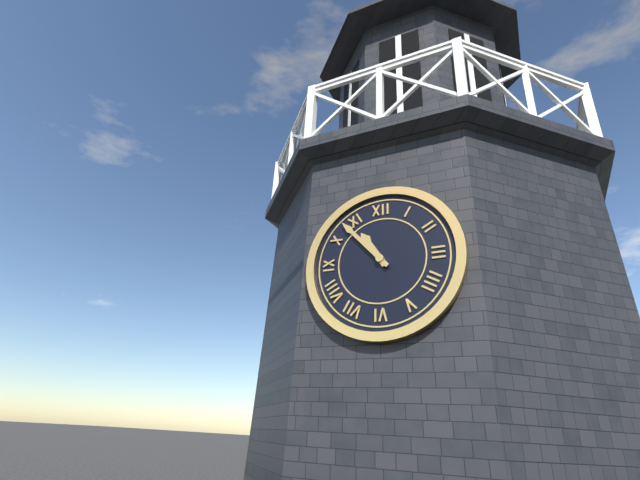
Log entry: 10:53
